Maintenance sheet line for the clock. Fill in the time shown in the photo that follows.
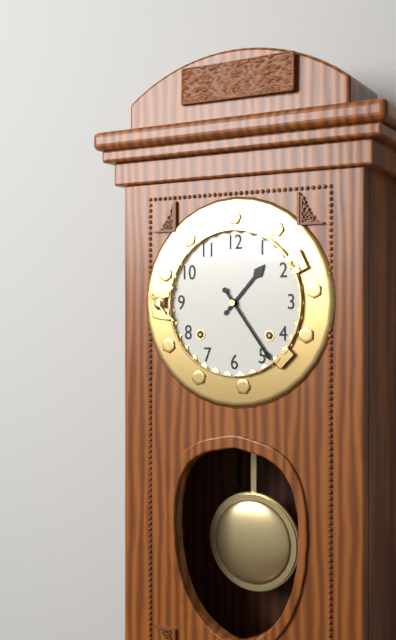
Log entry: 1:24
